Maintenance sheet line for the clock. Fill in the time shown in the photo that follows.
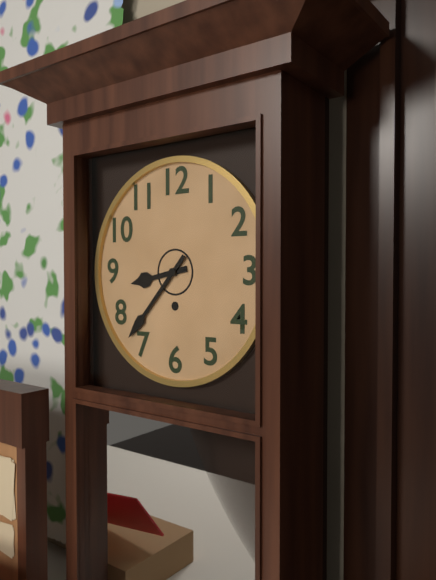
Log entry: 8:37
